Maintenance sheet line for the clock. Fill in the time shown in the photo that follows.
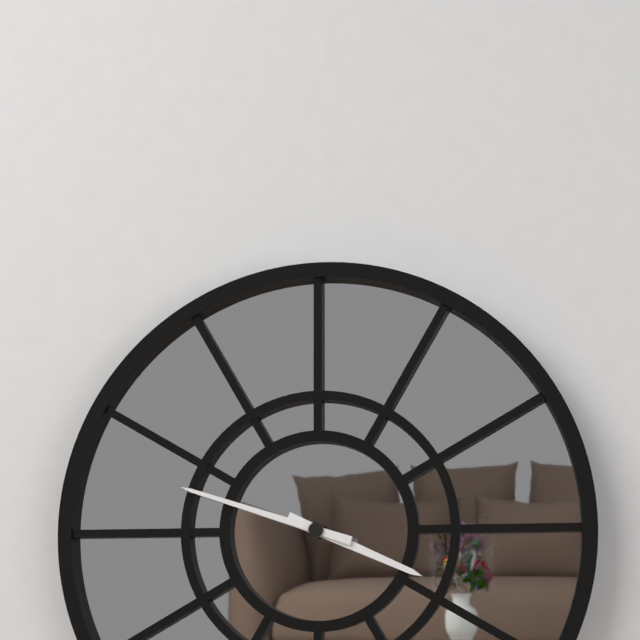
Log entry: 3:48
